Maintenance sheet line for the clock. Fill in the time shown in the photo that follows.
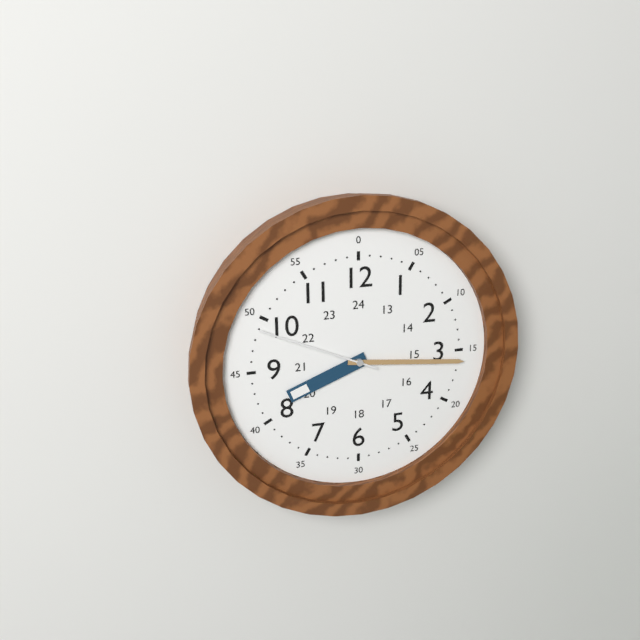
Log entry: 8:16:49
